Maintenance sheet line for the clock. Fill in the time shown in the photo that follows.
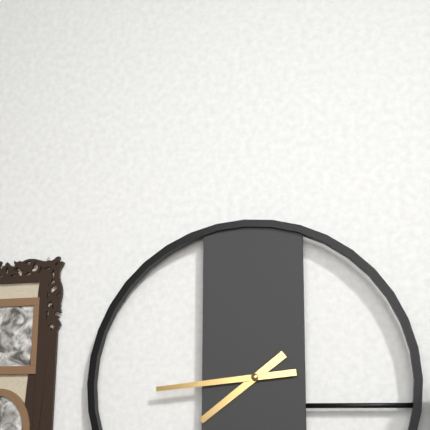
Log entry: 7:44
